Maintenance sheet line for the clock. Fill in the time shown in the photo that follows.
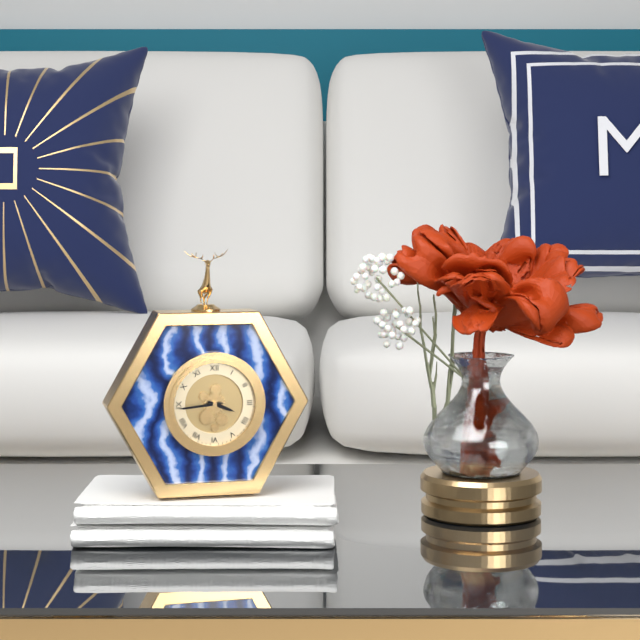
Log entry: 3:44
